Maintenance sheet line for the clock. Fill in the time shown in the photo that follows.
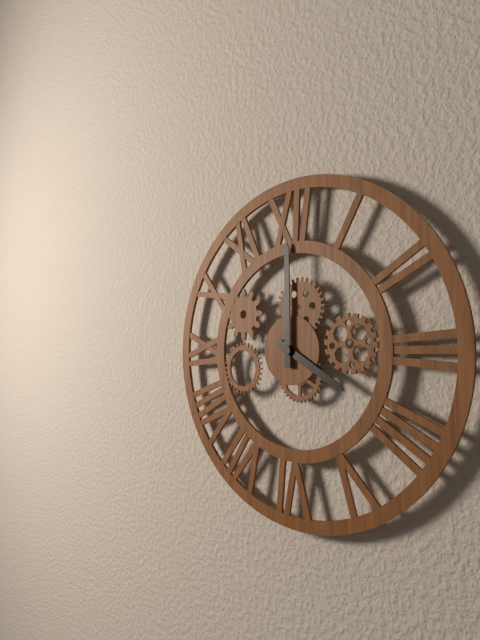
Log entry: 4:00
